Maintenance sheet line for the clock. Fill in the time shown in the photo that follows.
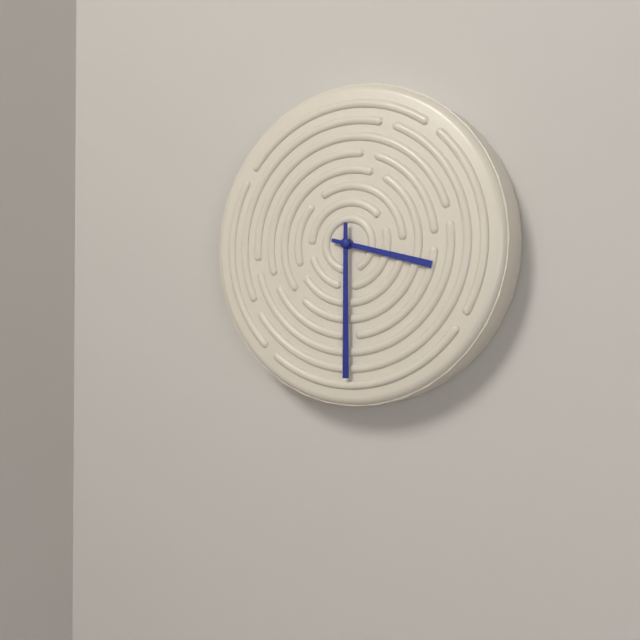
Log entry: 3:30
